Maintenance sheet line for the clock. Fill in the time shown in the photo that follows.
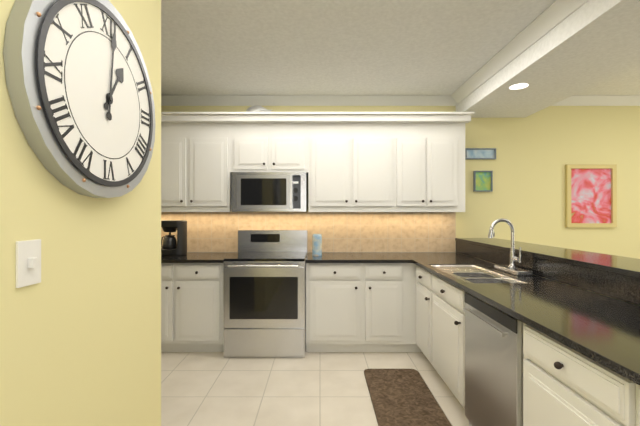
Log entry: 1:01
